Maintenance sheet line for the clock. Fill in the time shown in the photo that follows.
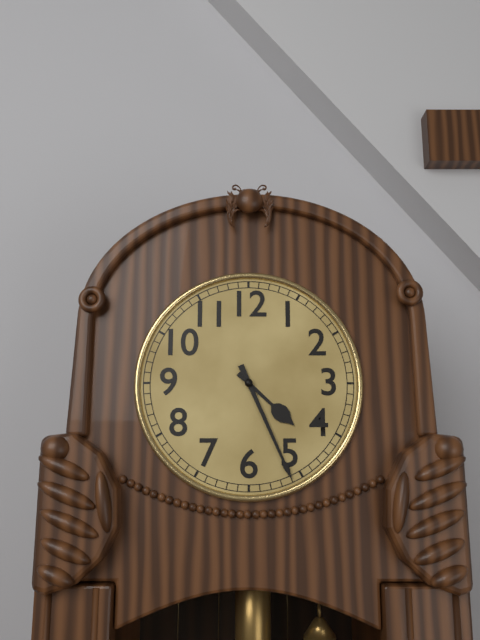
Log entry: 4:26
